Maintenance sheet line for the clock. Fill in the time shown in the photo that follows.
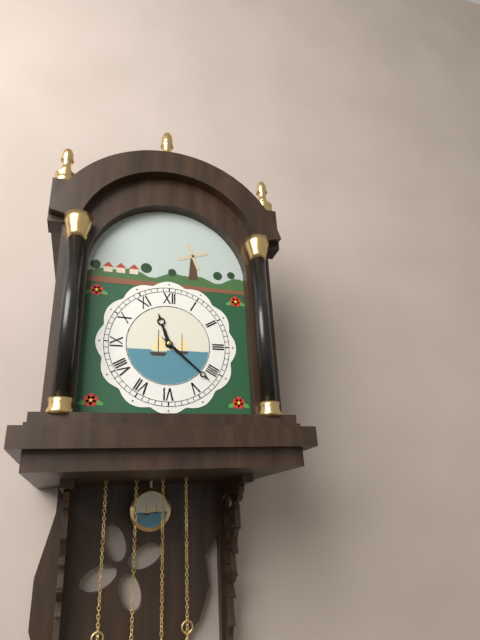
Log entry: 11:22
